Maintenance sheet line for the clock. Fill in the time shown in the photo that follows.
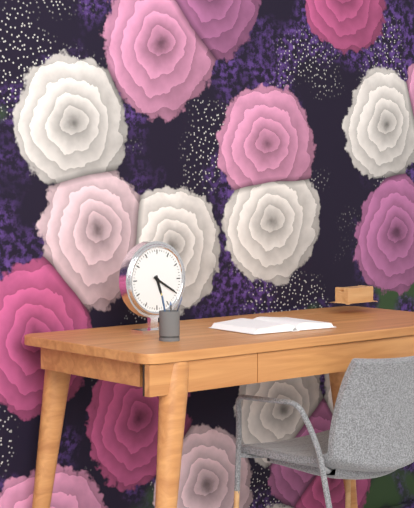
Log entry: 5:20
